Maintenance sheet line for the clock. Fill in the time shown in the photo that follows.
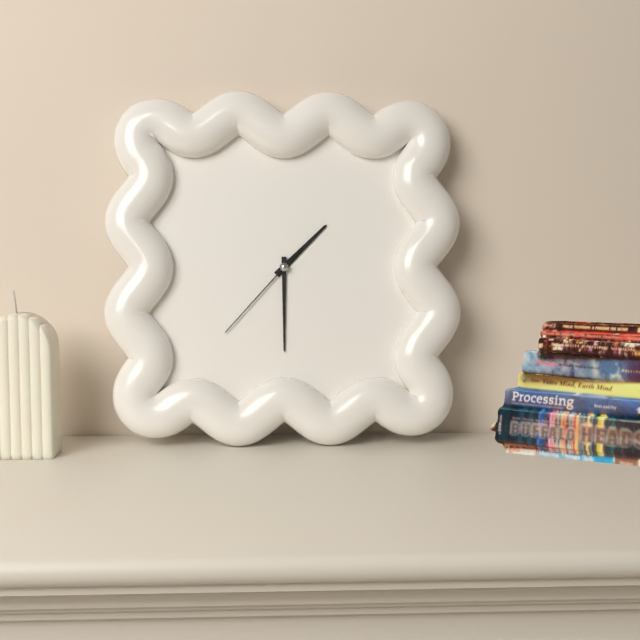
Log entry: 1:30:37
